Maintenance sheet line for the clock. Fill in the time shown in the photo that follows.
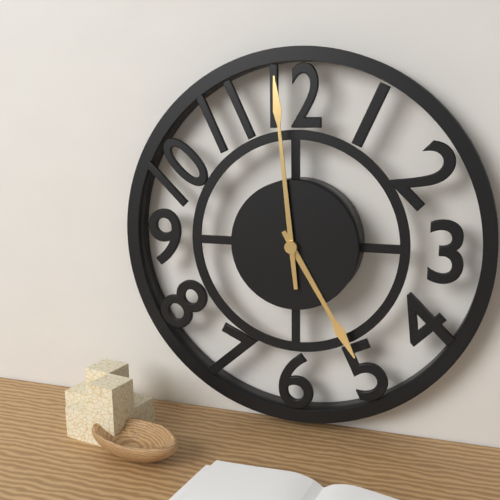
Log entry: 4:59
